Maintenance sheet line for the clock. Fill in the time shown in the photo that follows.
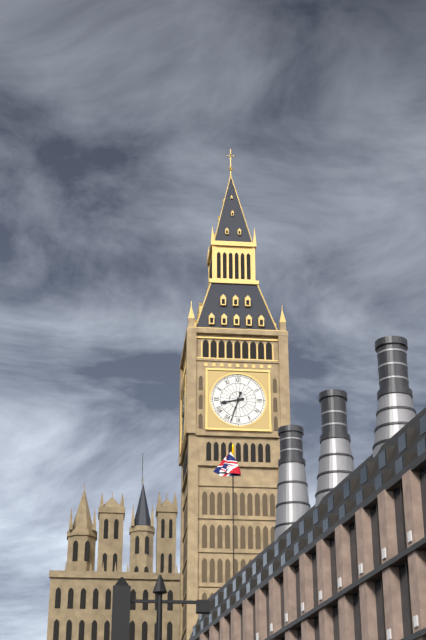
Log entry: 8:33
